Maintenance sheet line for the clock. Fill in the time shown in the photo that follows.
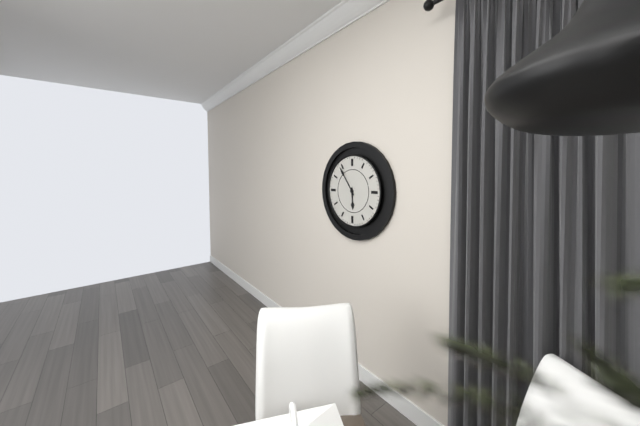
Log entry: 5:54
